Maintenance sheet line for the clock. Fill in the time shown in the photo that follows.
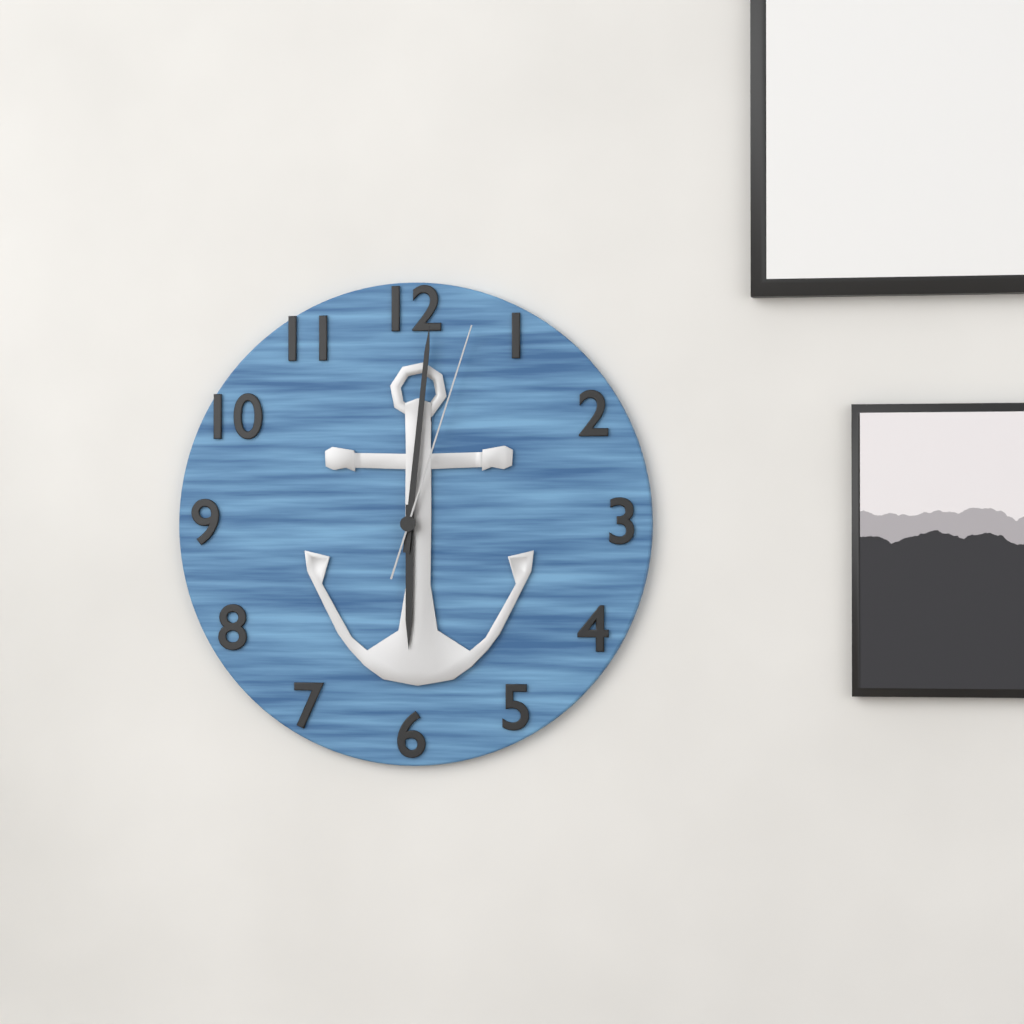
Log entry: 6:01:03
